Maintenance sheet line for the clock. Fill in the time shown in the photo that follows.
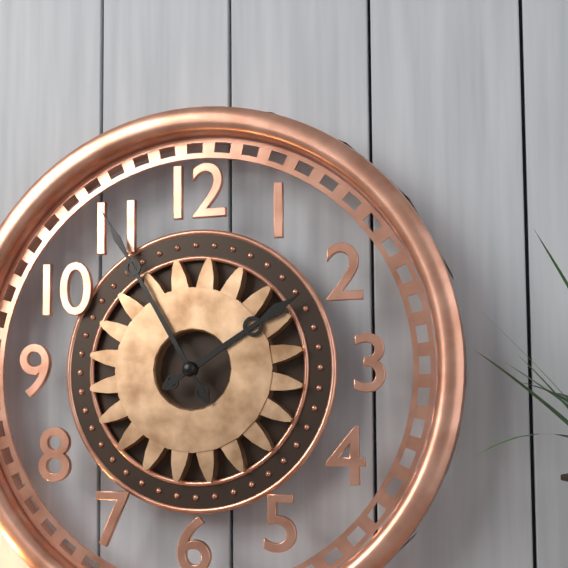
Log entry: 1:55
